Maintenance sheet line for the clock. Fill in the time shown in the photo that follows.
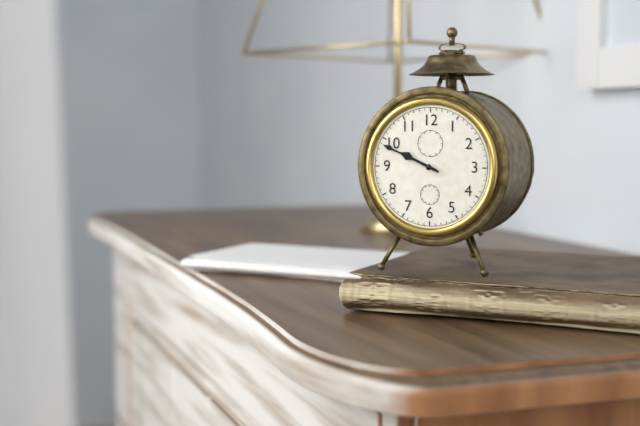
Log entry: 9:49
